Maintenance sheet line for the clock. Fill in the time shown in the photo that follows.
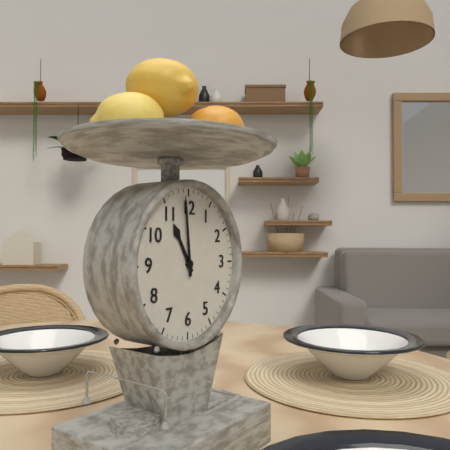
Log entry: 10:59
